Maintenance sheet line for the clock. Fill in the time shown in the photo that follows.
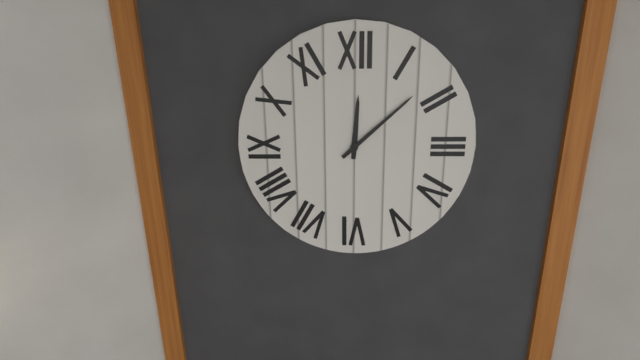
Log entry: 12:08
